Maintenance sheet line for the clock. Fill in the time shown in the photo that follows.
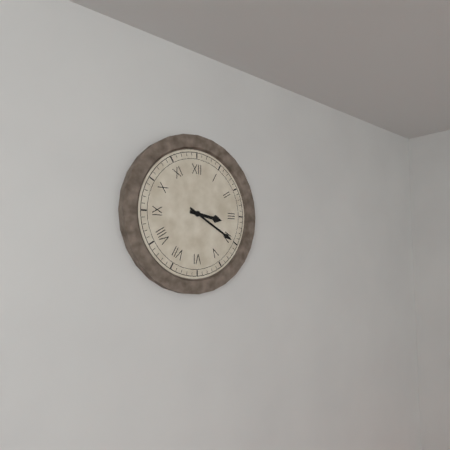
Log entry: 3:20
